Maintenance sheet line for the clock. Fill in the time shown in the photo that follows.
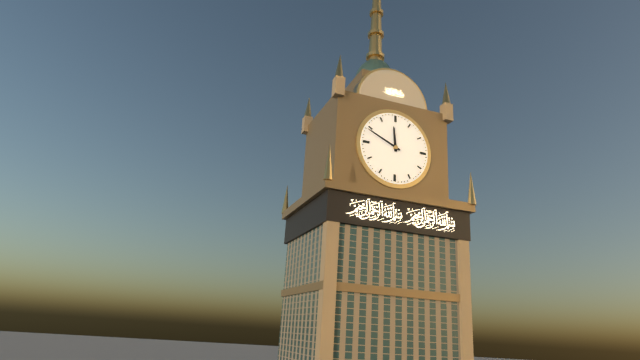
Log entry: 11:49
